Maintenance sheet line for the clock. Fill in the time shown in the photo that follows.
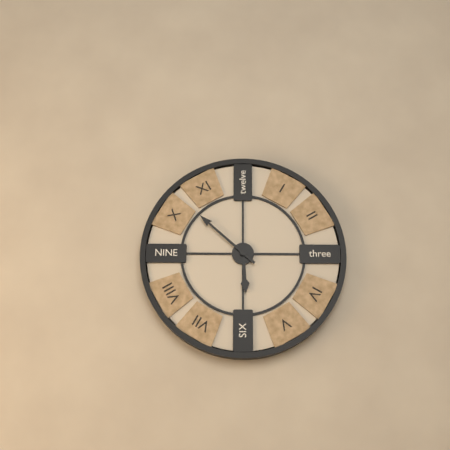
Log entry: 5:52
